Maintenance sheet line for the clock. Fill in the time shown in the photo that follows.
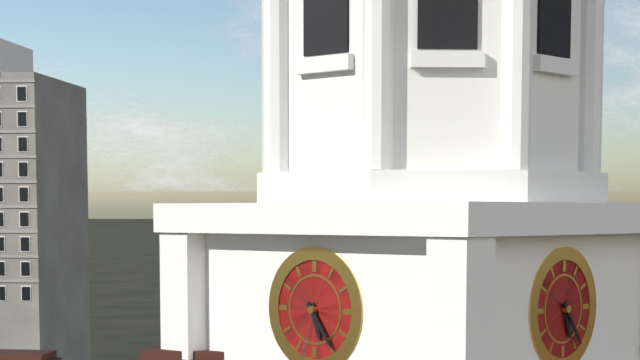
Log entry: 5:24
